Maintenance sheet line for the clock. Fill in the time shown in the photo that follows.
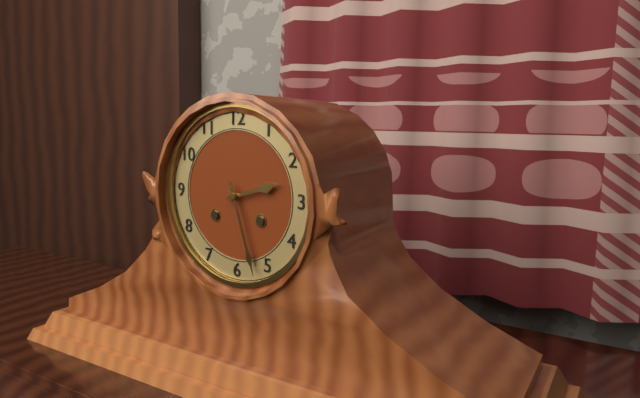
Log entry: 2:27
